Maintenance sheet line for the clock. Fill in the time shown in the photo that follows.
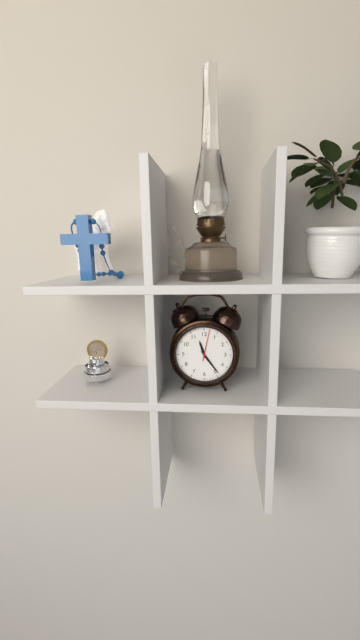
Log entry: 11:24
